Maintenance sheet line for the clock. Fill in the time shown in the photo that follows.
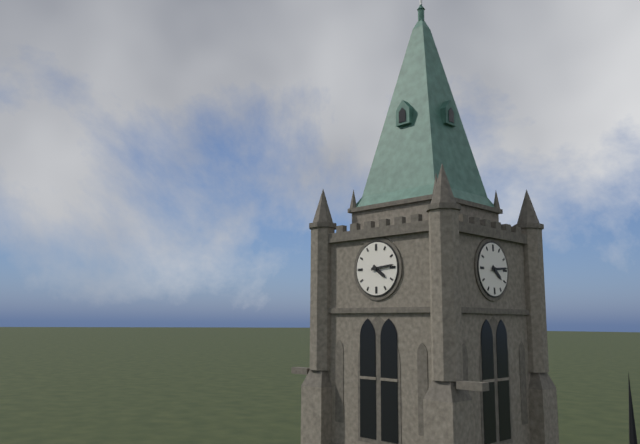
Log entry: 4:14
